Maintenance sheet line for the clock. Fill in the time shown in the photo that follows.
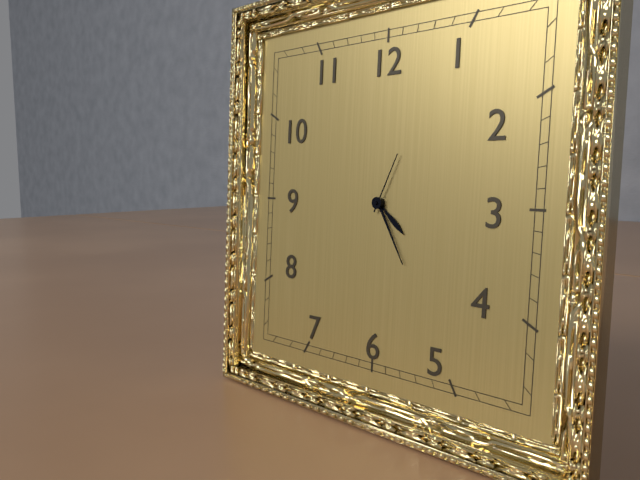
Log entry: 4:25:04
